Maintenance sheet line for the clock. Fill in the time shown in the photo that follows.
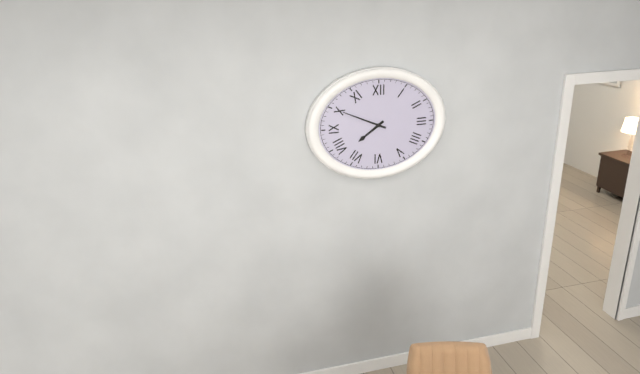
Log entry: 7:49
